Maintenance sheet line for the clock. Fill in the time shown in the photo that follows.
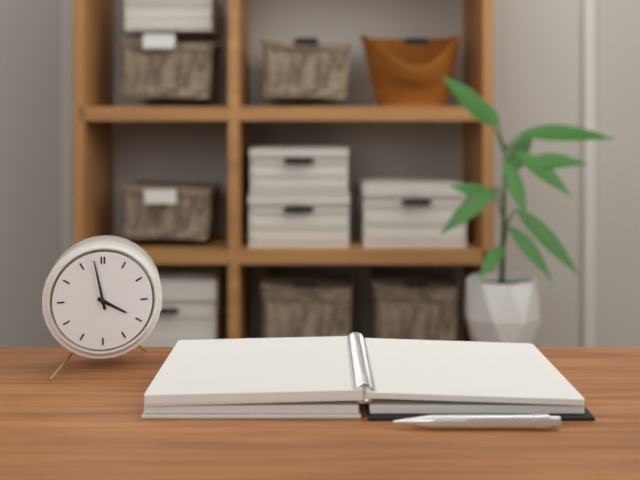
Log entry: 3:58
